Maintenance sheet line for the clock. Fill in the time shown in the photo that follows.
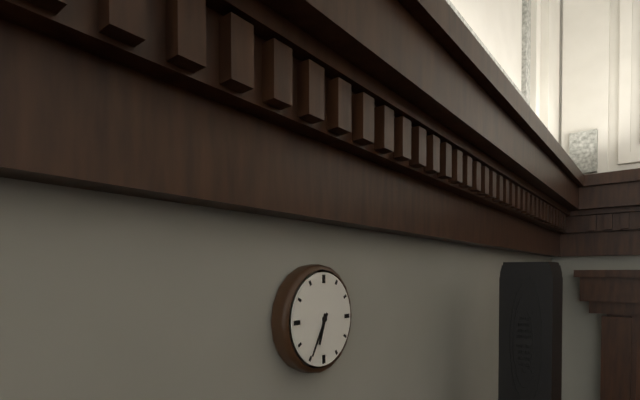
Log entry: 6:35
